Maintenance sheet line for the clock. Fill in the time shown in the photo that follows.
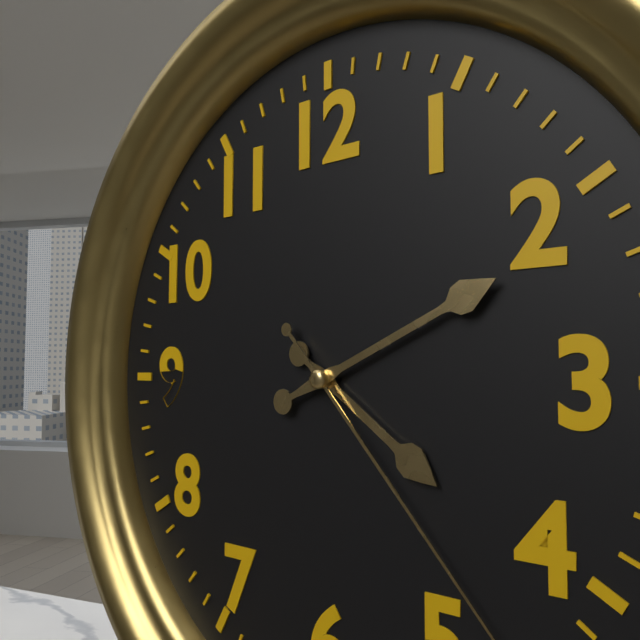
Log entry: 4:11
